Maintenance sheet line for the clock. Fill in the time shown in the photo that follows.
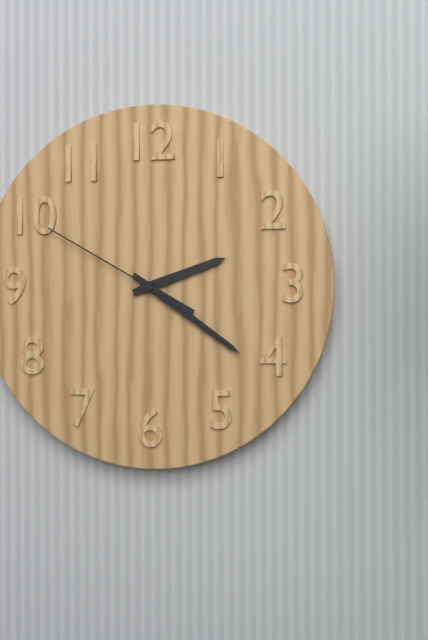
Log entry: 2:21:50
